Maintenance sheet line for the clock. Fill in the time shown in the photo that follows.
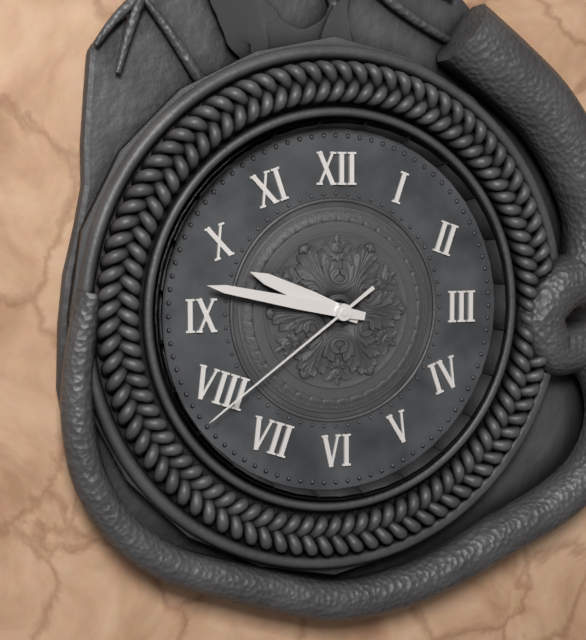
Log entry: 9:47:39
